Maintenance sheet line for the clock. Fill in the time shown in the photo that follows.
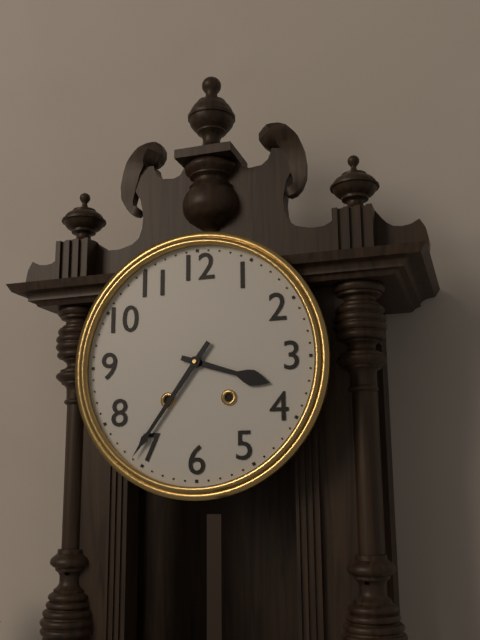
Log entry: 3:36
